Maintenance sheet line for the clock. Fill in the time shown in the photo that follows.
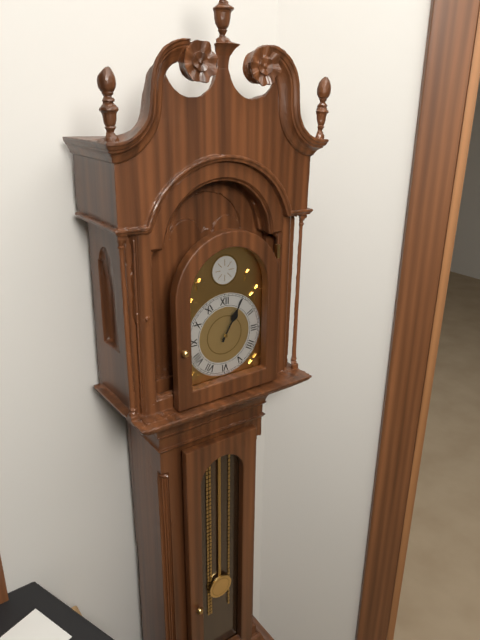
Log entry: 1:05
